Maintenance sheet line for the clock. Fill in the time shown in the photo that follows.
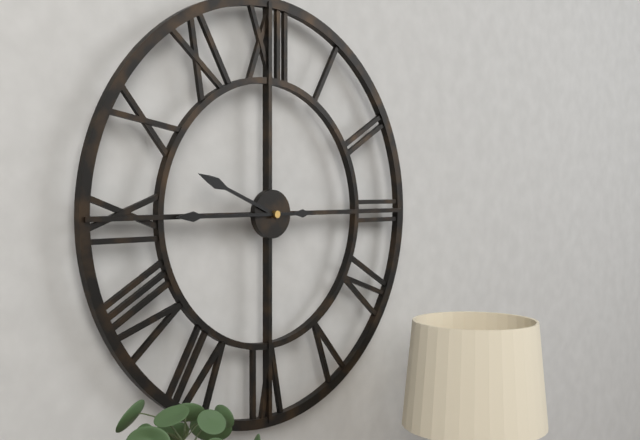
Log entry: 9:45
